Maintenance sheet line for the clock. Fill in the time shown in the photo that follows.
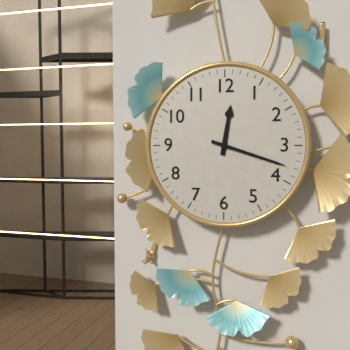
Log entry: 12:18
